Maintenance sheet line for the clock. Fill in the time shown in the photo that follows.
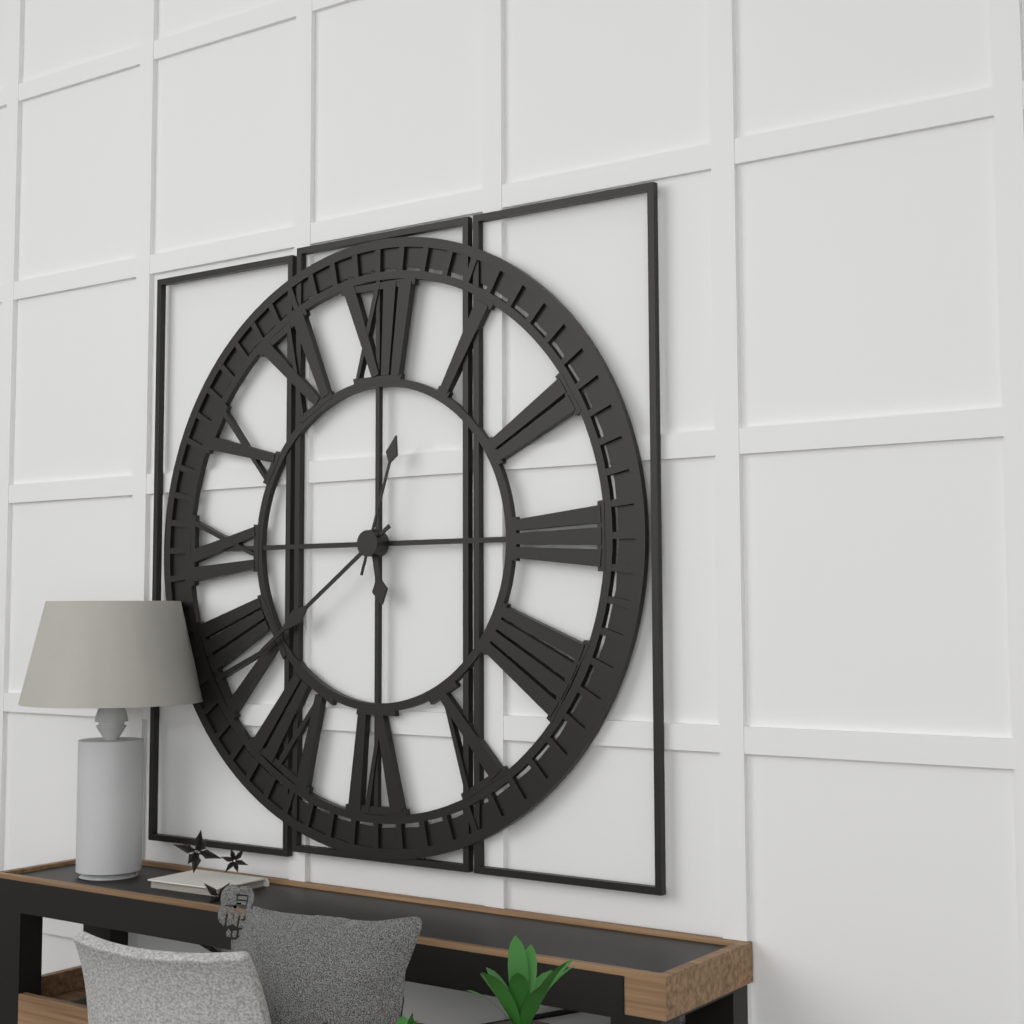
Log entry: 5:39:03
